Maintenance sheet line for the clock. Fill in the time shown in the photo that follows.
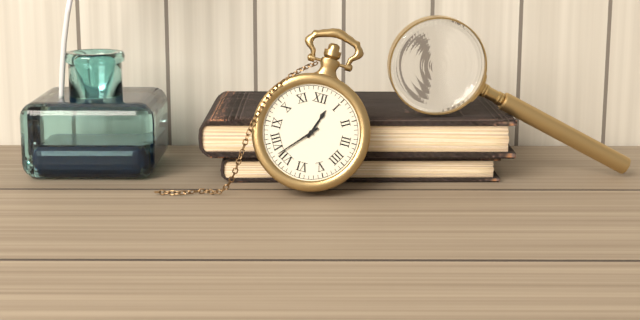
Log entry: 12:37
